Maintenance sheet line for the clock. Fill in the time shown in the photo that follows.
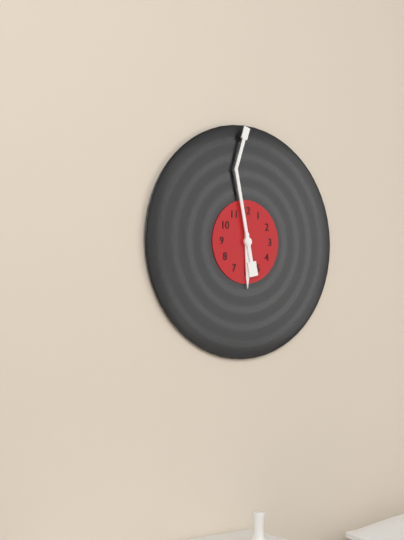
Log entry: 5:58
